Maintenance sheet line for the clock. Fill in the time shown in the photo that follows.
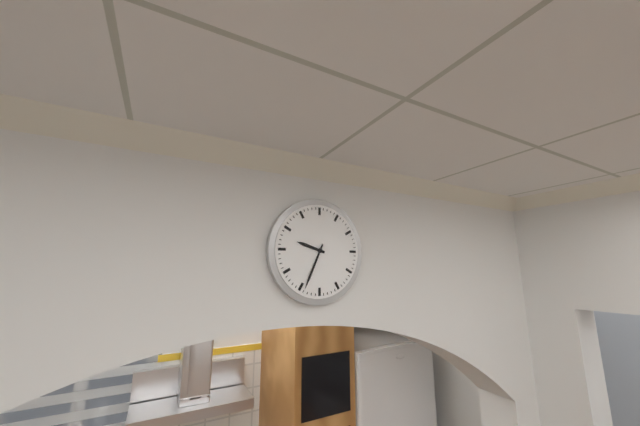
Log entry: 9:34
